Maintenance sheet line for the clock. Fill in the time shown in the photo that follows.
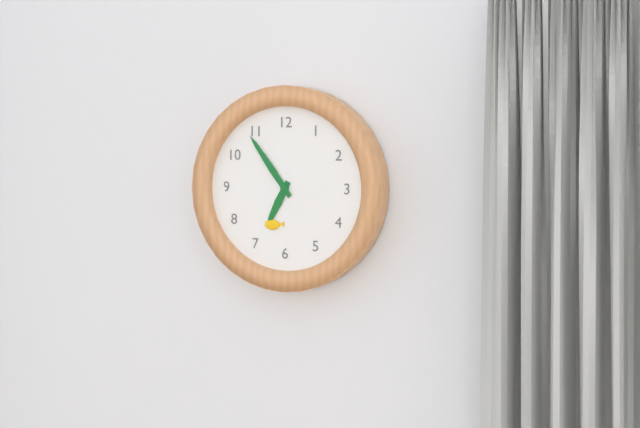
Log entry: 6:54
